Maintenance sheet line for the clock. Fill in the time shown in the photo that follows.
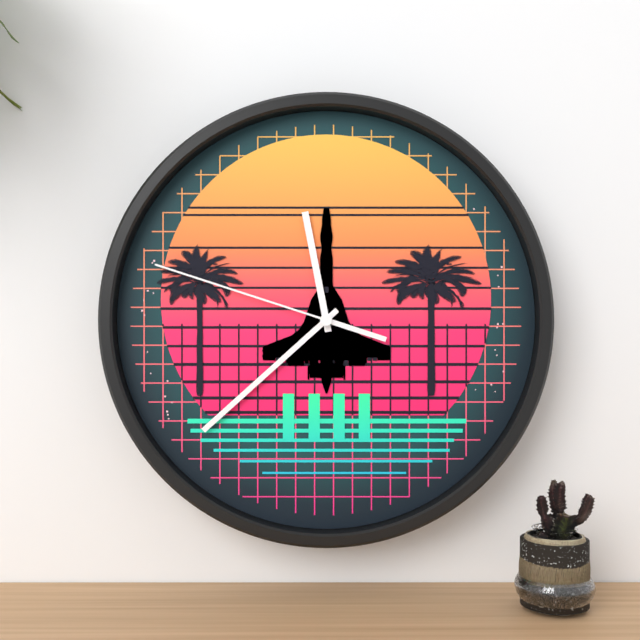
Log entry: 11:38:48
